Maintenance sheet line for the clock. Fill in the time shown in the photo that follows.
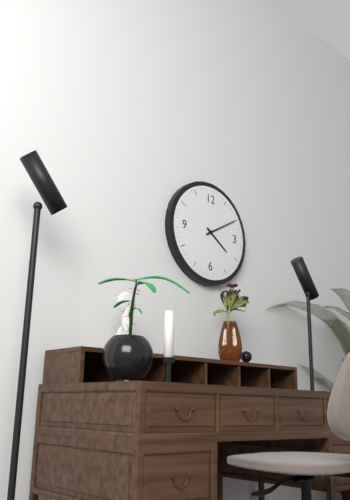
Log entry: 4:10
